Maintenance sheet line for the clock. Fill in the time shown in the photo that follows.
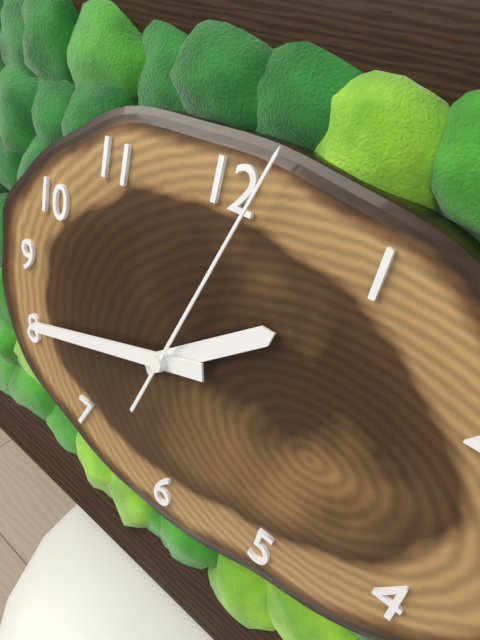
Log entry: 1:42:03
